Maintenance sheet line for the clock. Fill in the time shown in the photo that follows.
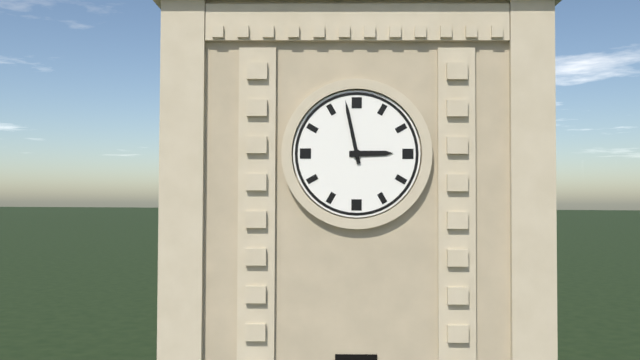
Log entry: 2:58
